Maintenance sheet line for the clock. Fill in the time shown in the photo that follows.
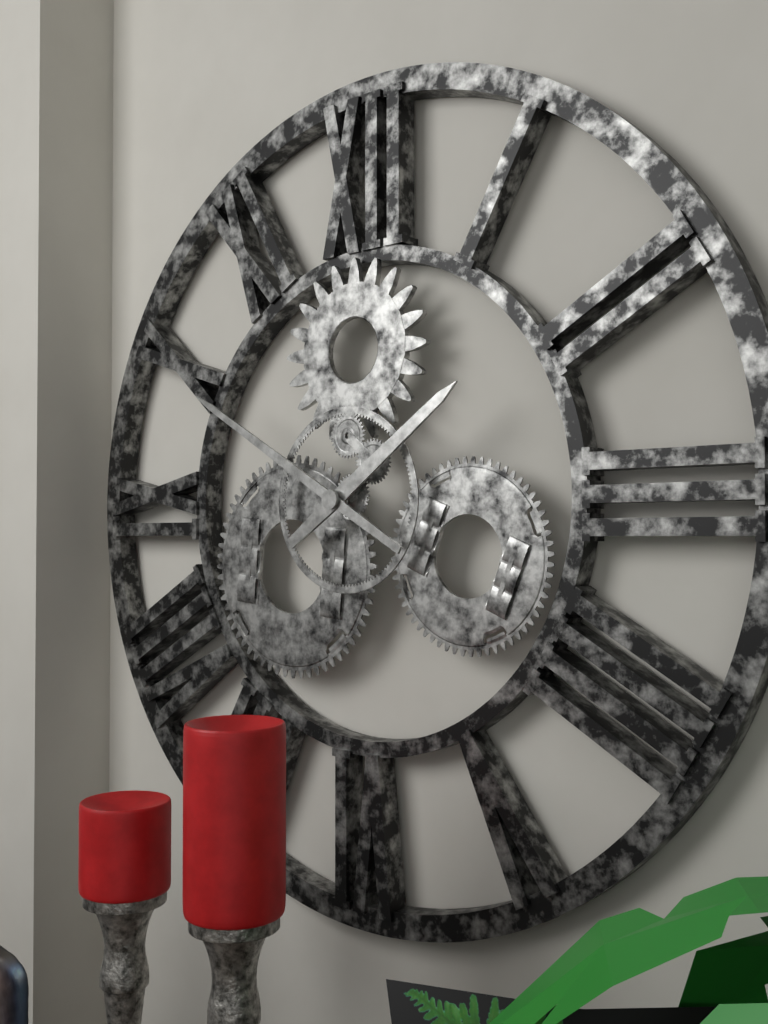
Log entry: 1:50
